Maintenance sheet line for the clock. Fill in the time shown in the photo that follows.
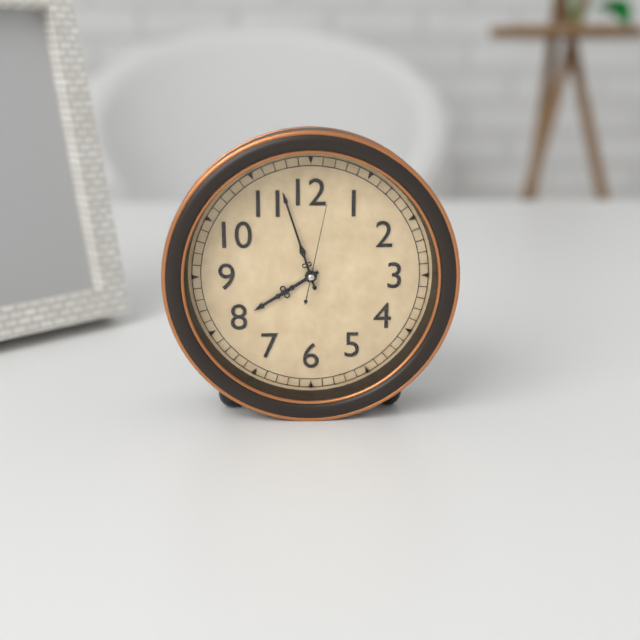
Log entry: 7:57:02
